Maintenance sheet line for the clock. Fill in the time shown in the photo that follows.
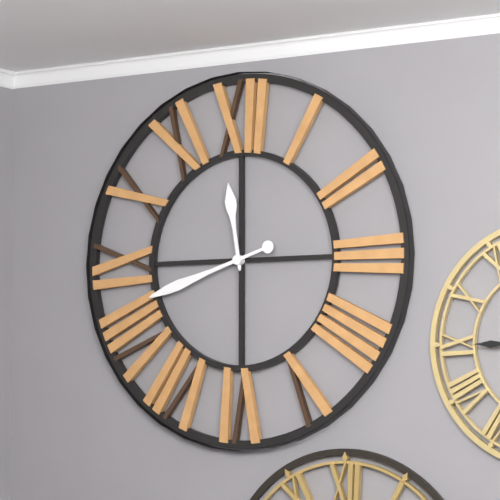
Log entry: 11:42
